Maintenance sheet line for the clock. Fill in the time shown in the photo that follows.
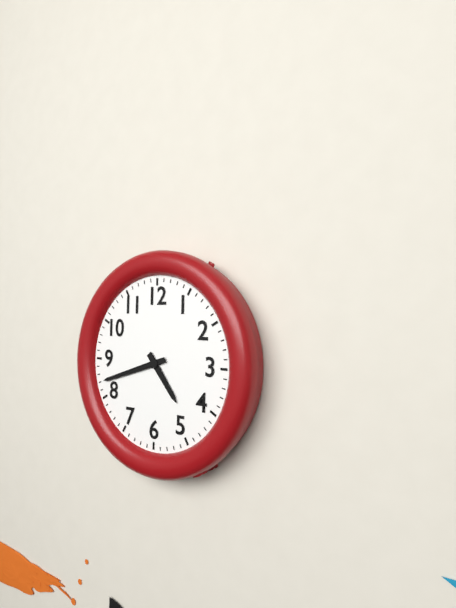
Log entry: 4:42
